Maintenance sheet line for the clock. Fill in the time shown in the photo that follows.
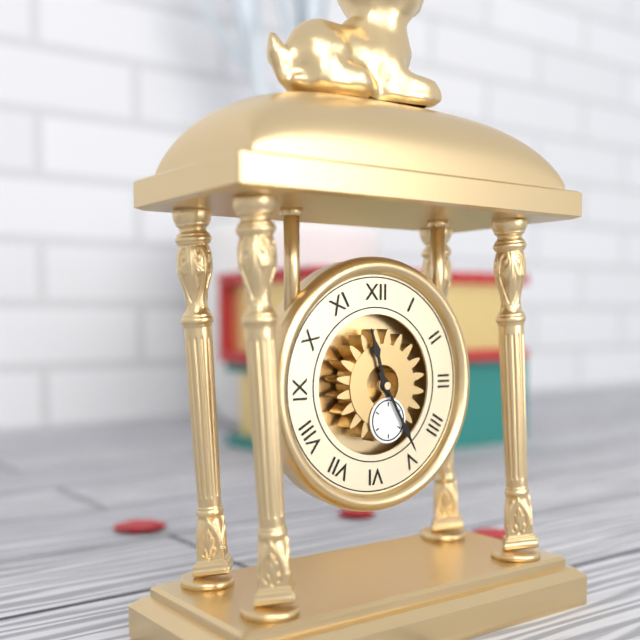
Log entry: 11:25
